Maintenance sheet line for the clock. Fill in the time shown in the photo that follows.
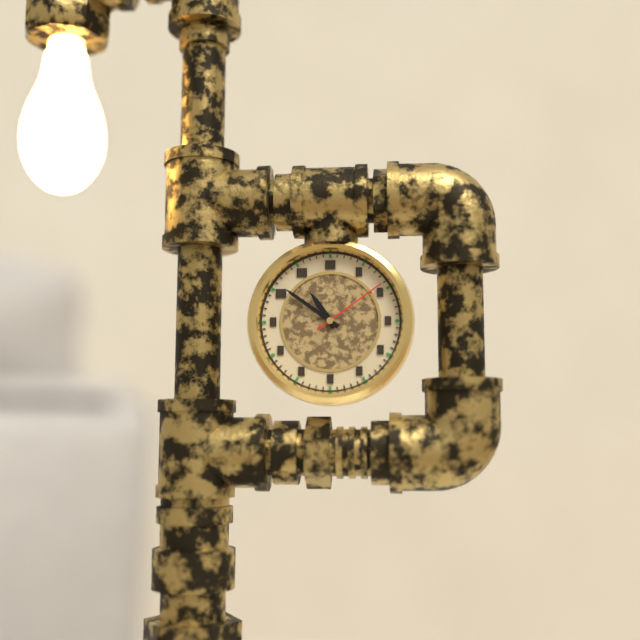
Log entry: 10:51:09
